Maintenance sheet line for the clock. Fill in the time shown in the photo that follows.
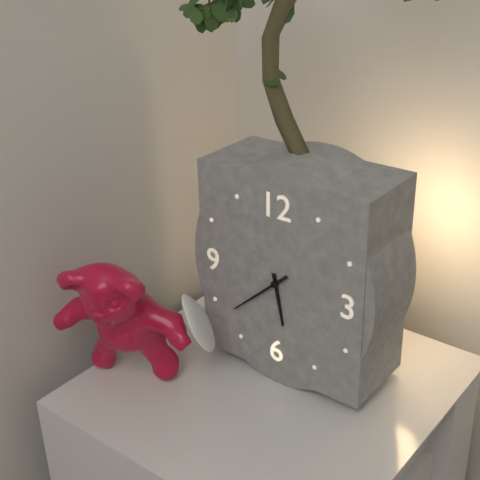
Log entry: 5:38
